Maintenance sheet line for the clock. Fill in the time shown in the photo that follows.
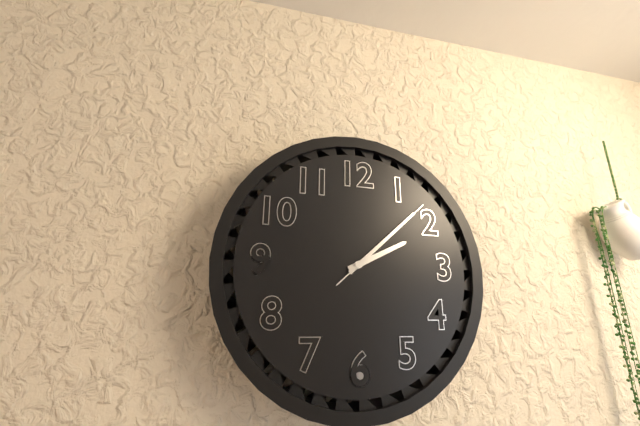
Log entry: 2:08:08
